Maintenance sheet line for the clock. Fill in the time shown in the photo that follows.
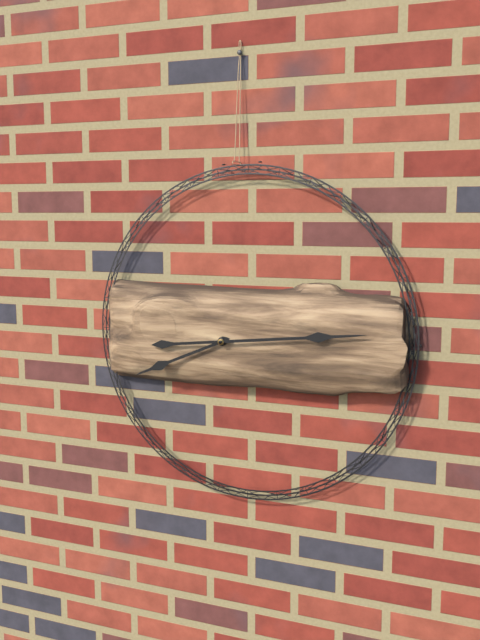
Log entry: 8:14
